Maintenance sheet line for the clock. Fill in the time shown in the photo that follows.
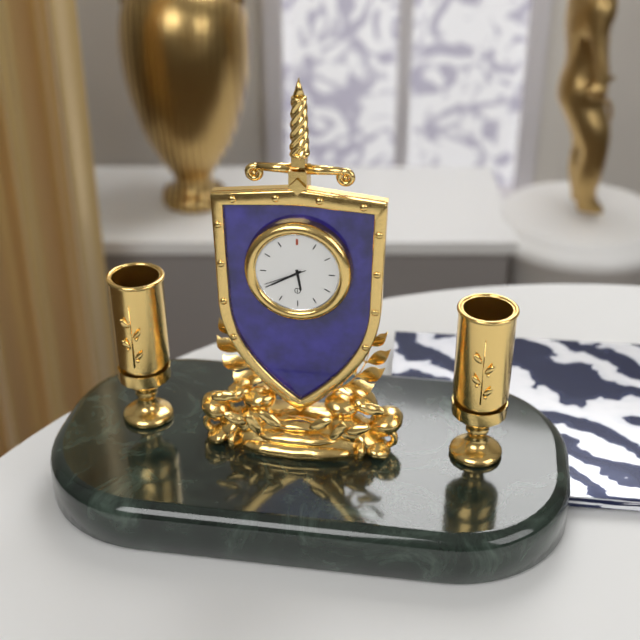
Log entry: 5:40
